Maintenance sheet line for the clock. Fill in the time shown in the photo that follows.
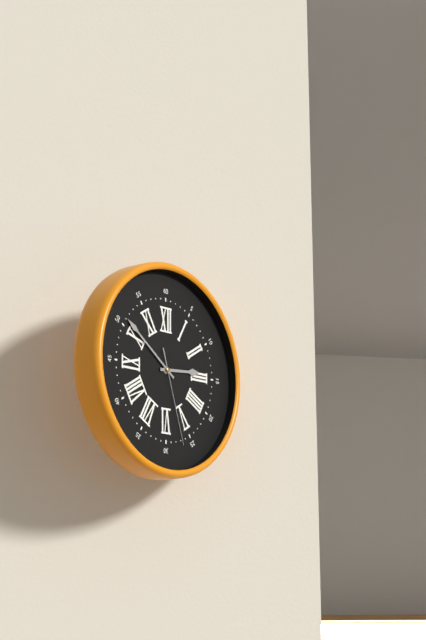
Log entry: 2:51:27
